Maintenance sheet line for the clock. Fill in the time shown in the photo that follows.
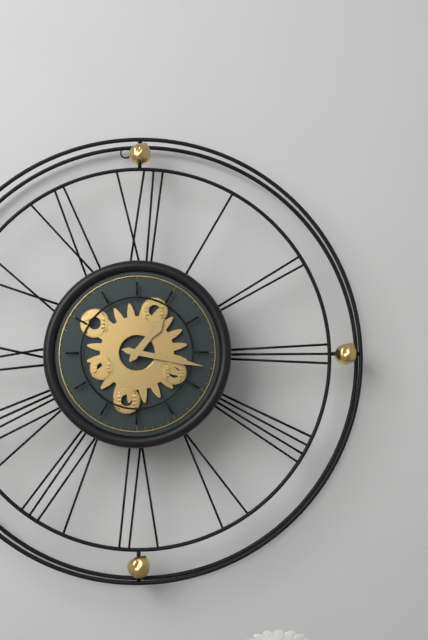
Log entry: 1:17
